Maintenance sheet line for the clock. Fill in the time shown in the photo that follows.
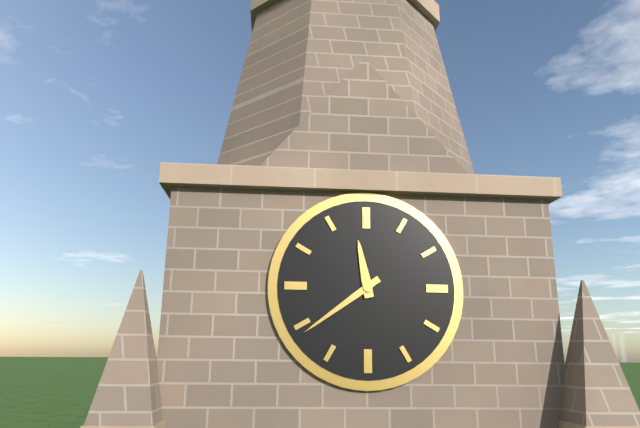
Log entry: 11:39
